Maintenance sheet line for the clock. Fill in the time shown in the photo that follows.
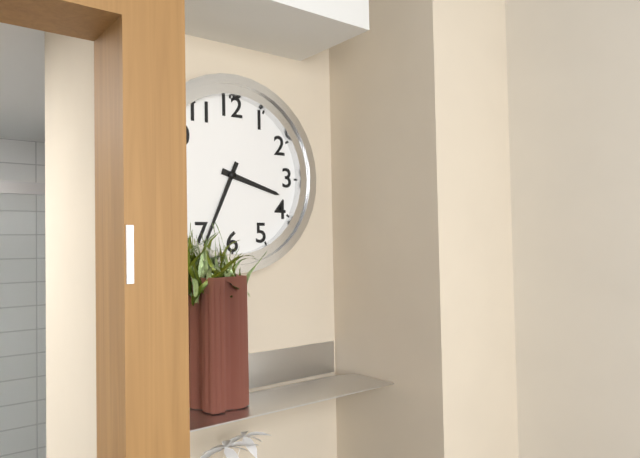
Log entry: 3:34
